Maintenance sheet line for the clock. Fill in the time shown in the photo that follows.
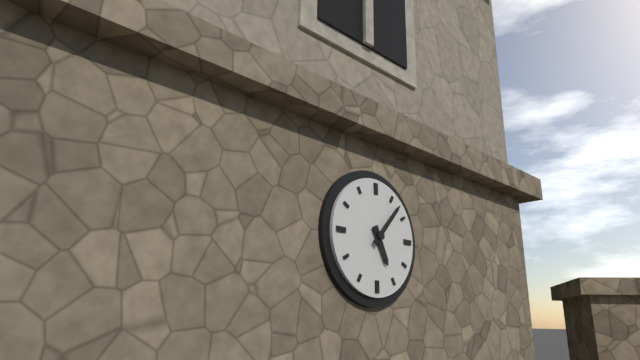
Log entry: 5:07
